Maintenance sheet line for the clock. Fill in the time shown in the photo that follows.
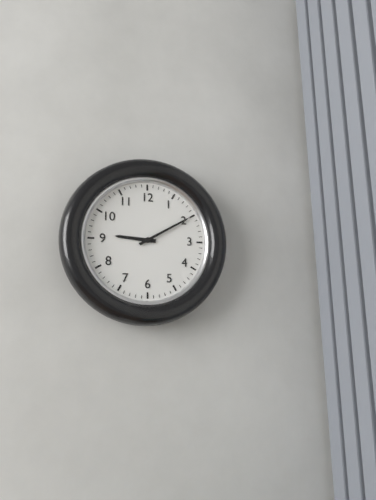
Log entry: 9:10
